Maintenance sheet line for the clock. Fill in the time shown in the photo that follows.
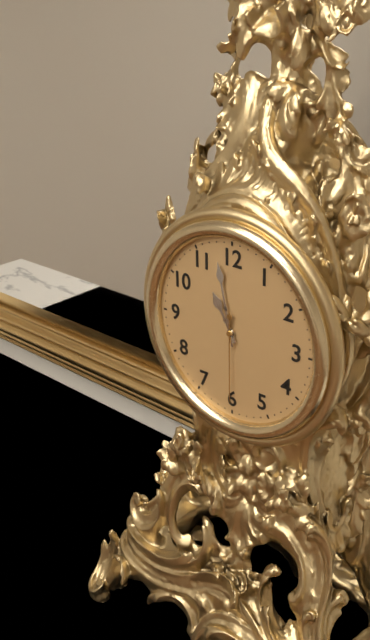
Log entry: 10:58:30
